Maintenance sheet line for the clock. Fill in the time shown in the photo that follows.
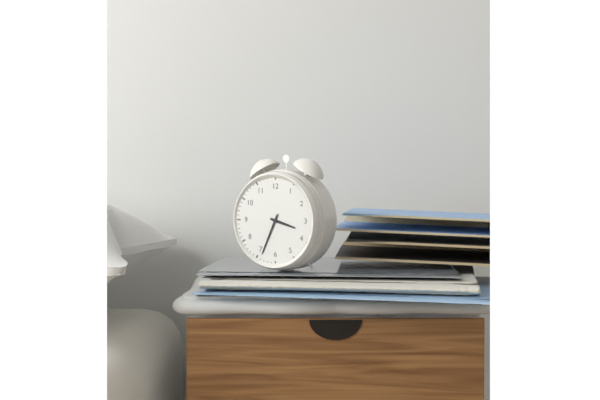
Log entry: 3:34
